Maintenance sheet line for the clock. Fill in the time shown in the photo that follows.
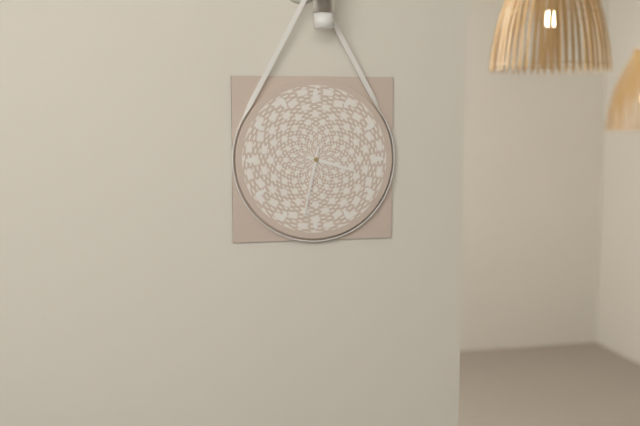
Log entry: 3:32
